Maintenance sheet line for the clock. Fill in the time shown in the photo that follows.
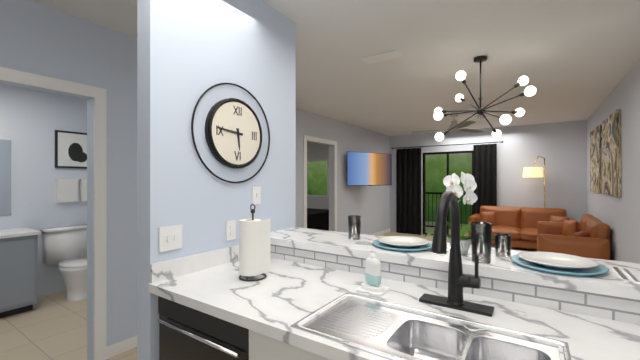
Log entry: 5:46
